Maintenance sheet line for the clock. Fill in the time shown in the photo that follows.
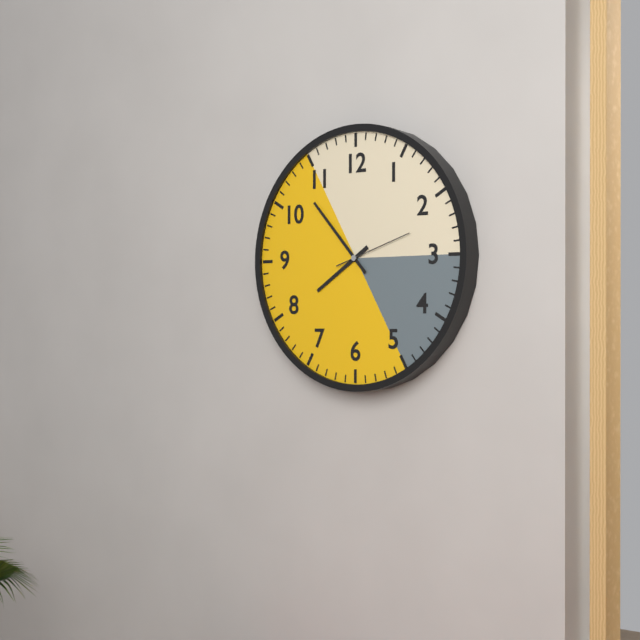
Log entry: 7:53:12
